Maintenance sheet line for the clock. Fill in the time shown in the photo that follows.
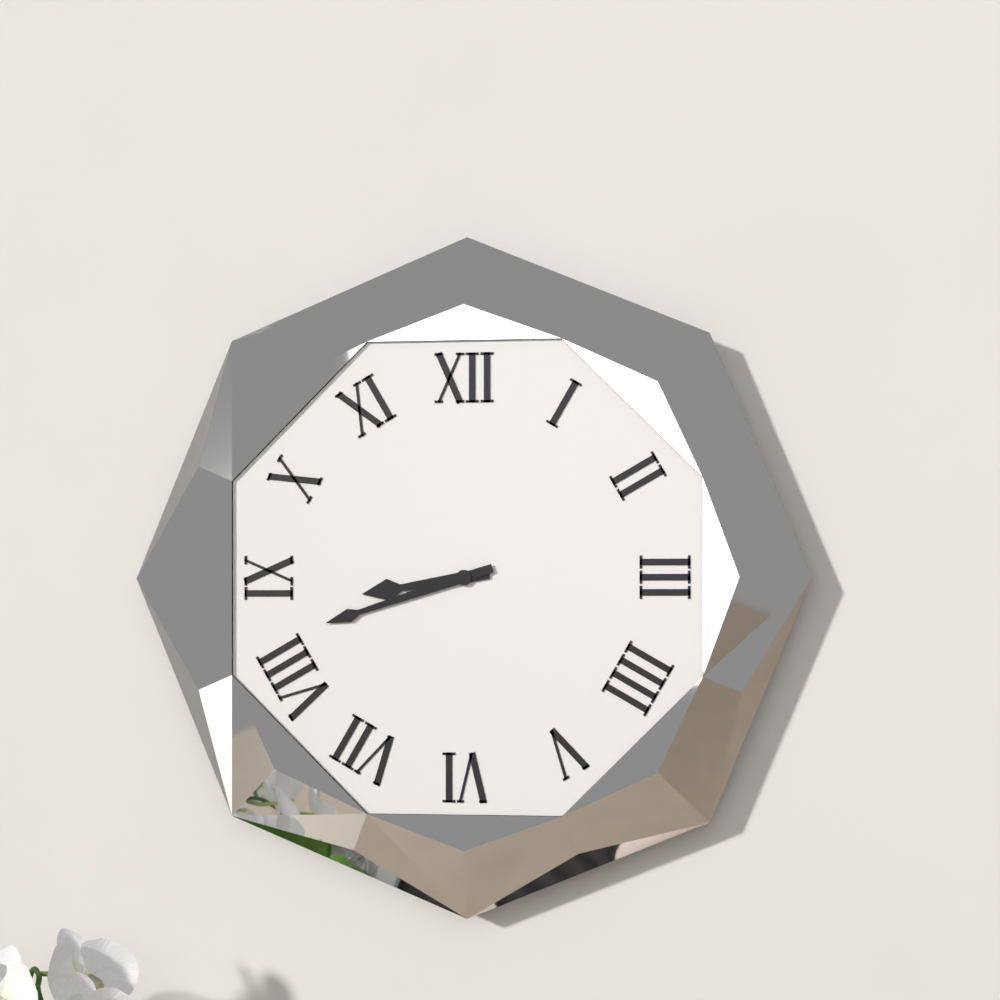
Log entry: 8:42
